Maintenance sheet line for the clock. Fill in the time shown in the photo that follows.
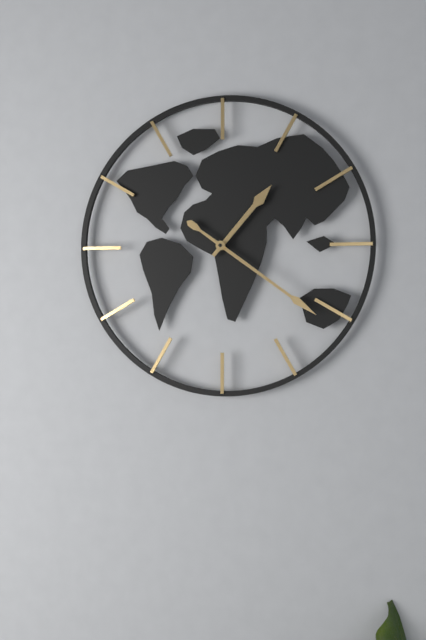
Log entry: 1:21
